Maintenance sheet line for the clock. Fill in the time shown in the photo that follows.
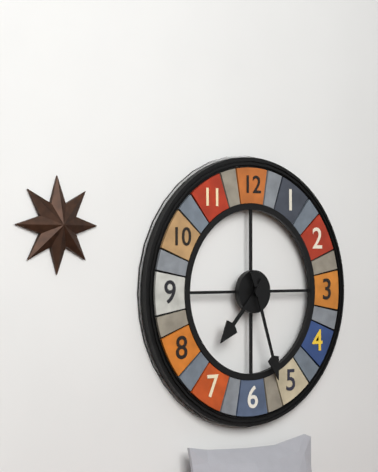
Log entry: 7:27
